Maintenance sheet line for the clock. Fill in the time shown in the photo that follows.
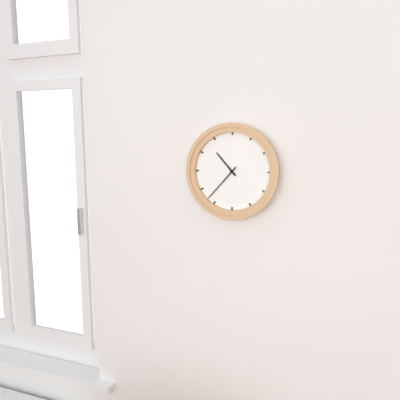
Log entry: 10:37
